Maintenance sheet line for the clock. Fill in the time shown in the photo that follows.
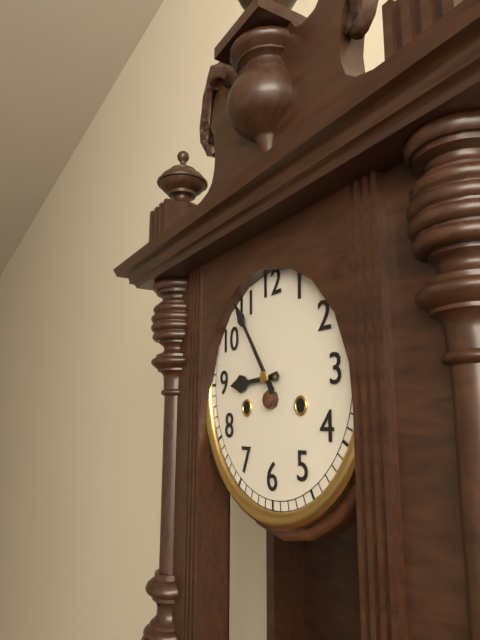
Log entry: 8:54
